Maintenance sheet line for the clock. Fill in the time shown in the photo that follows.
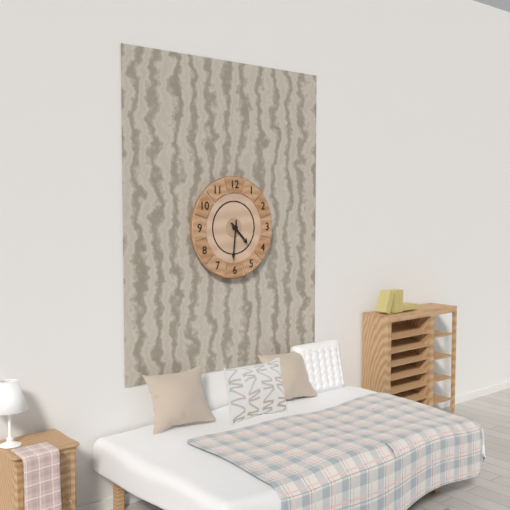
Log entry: 4:31
